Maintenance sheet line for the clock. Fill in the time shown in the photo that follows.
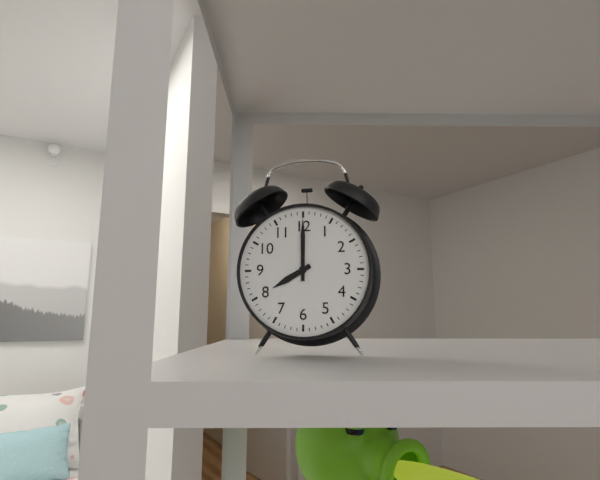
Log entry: 8:00
